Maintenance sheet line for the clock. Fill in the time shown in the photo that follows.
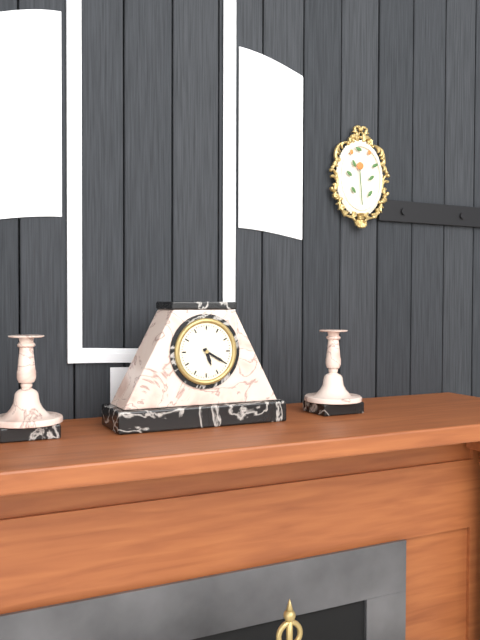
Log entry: 5:20
